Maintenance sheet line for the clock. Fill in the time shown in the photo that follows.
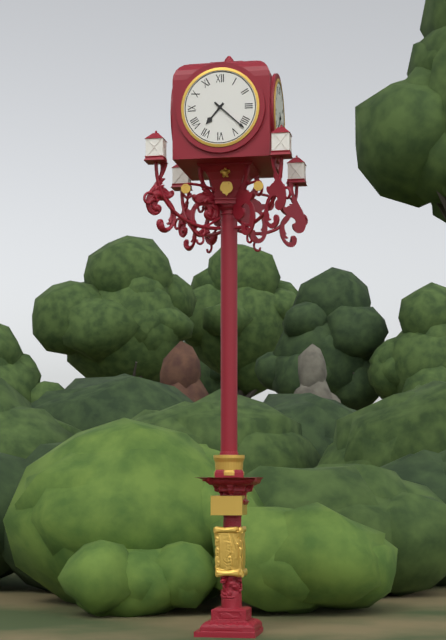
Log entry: 7:22
